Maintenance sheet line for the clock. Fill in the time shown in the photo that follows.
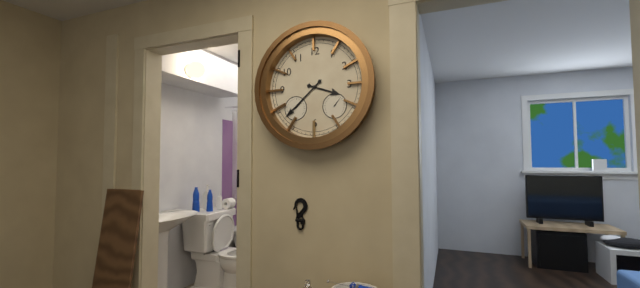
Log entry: 3:38
